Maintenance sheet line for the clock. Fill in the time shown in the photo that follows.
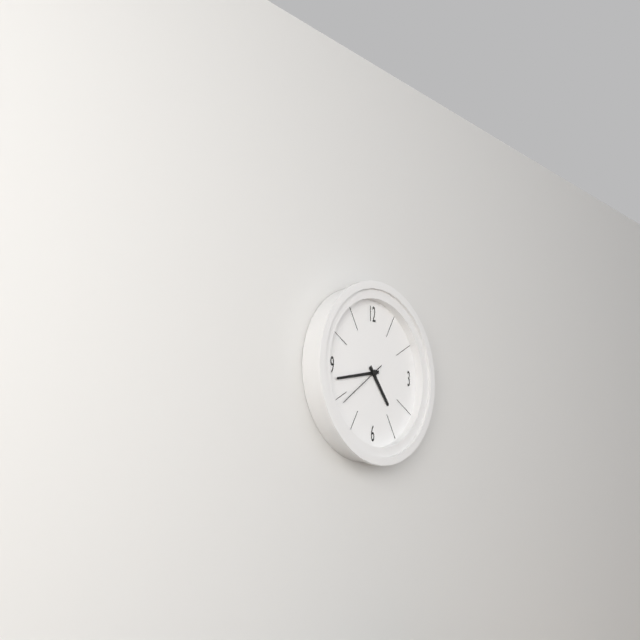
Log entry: 4:43:39
